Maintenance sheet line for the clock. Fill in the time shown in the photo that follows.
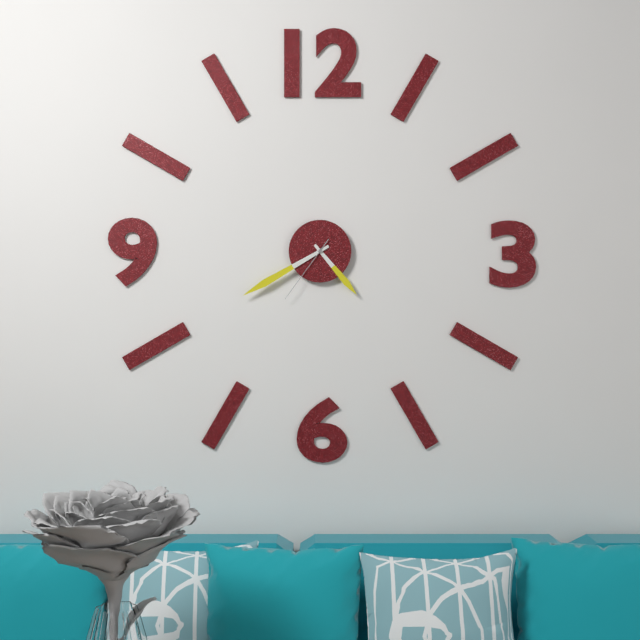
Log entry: 4:40:36
